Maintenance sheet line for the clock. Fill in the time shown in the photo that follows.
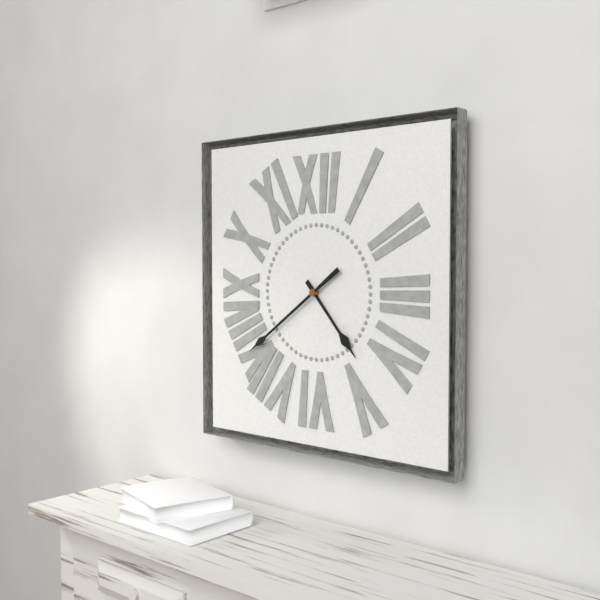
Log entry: 4:39
